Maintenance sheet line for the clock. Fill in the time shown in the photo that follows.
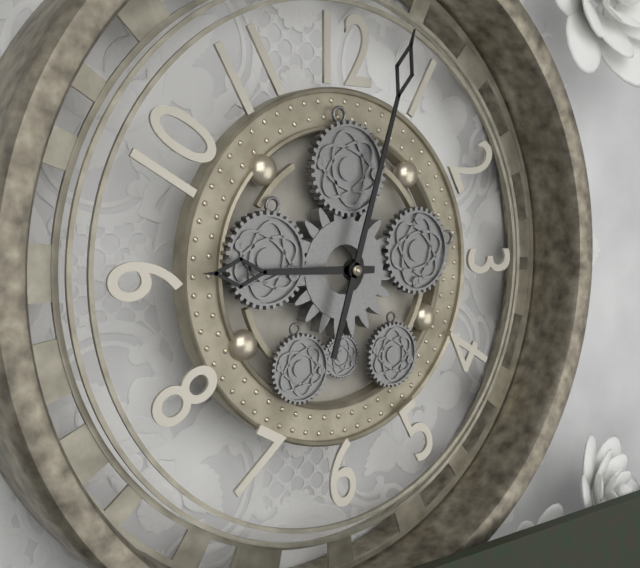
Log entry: 9:03
